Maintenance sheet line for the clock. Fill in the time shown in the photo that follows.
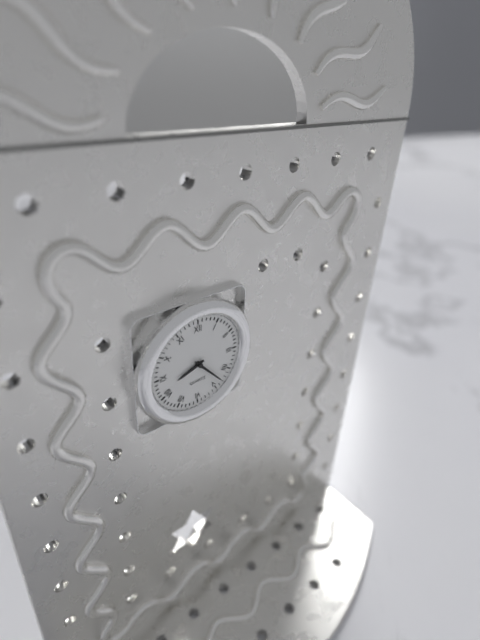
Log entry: 8:23
